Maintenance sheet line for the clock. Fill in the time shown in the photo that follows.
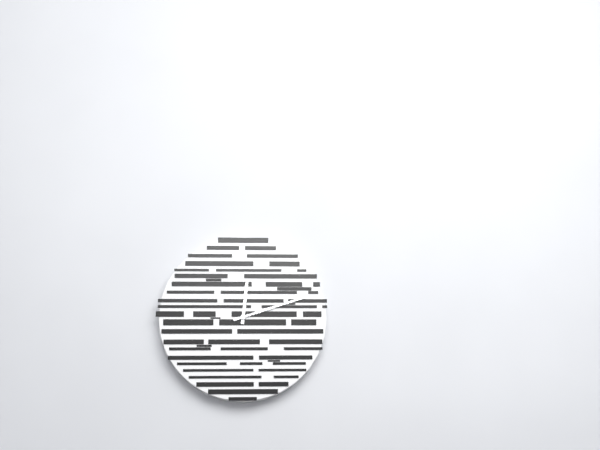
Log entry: 12:12
